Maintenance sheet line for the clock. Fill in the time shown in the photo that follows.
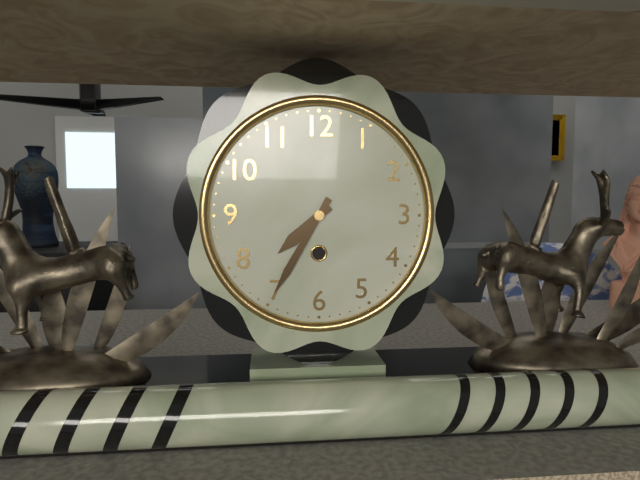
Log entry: 7:35
